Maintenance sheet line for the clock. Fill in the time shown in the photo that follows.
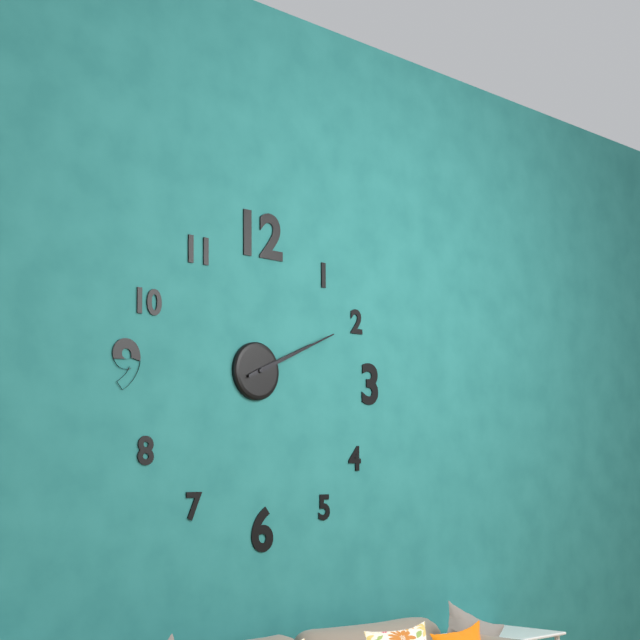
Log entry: 2:11
